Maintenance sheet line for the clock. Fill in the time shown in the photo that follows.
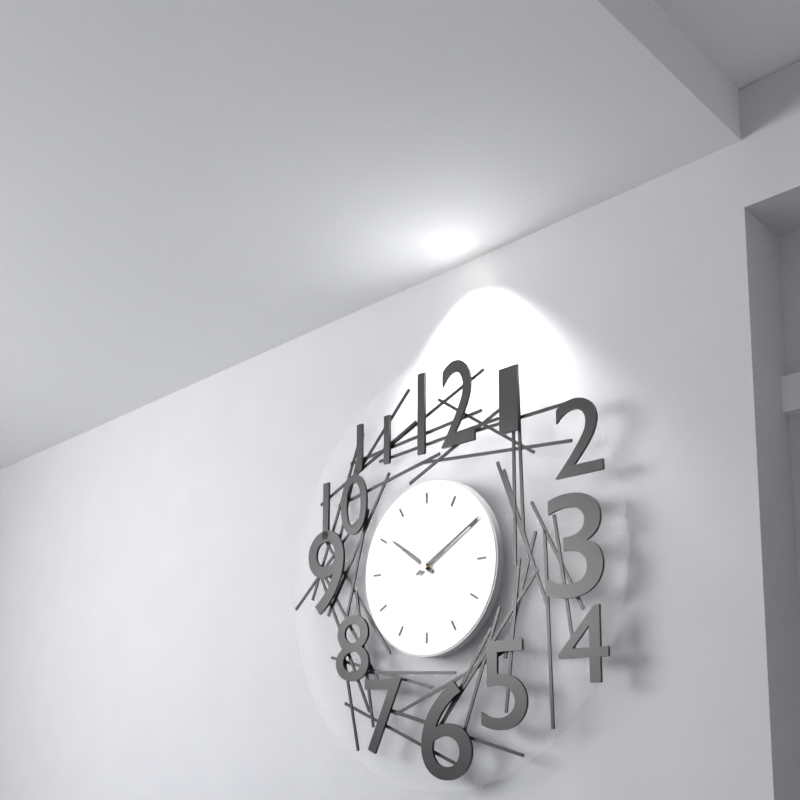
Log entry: 10:10:26
